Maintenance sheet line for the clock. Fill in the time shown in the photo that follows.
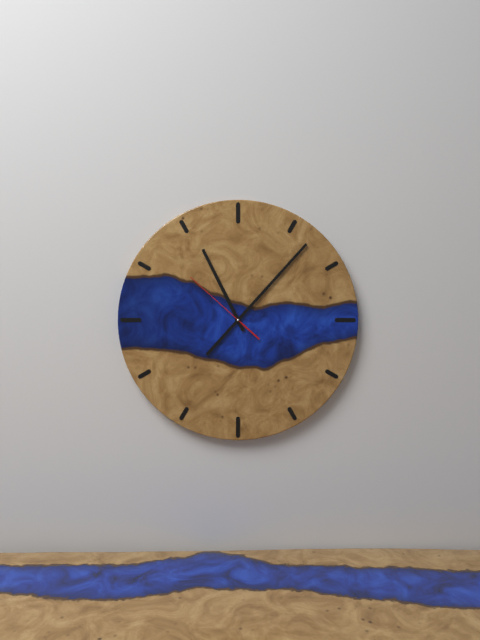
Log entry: 11:07:52
